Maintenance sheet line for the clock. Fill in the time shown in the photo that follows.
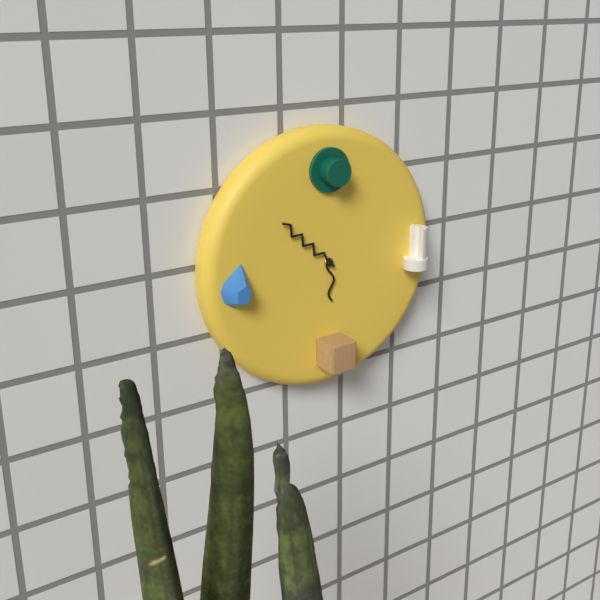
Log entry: 5:52
